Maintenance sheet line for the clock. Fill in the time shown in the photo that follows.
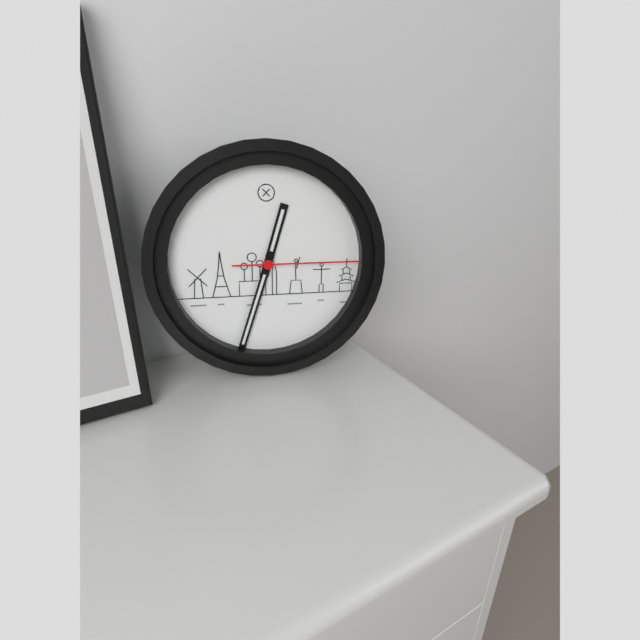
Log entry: 12:33:15
